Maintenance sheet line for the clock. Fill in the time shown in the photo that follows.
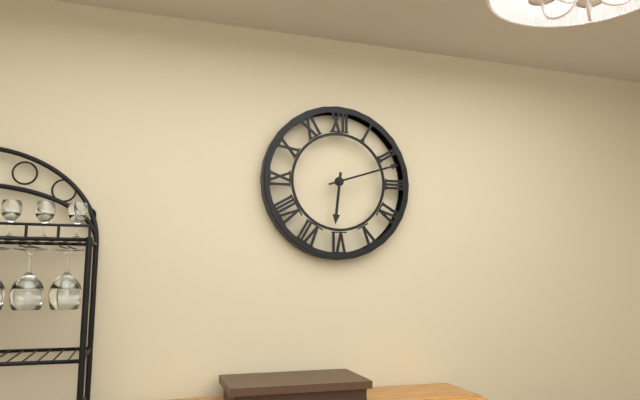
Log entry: 6:12
